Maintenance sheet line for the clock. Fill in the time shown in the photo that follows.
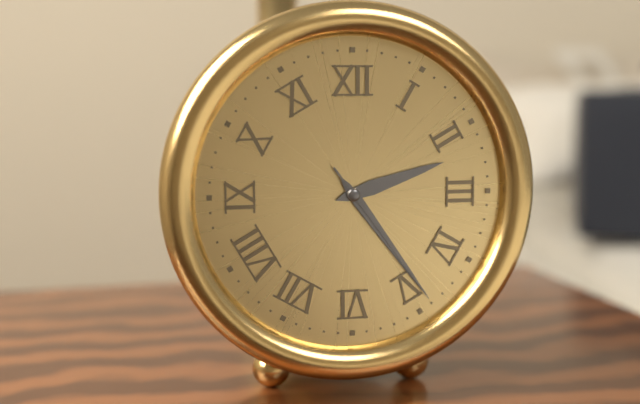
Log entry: 2:24:24
